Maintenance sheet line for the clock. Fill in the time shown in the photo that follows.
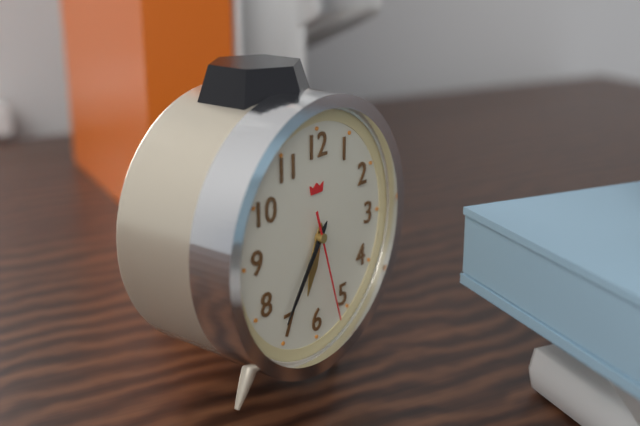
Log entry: 6:36:27
